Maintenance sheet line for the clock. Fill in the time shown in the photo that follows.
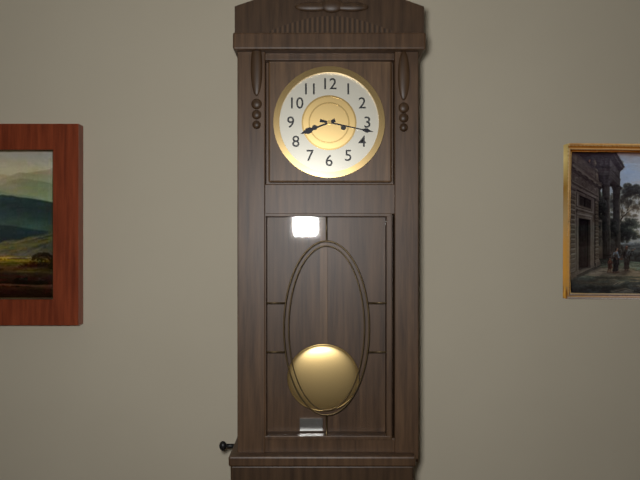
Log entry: 8:17
